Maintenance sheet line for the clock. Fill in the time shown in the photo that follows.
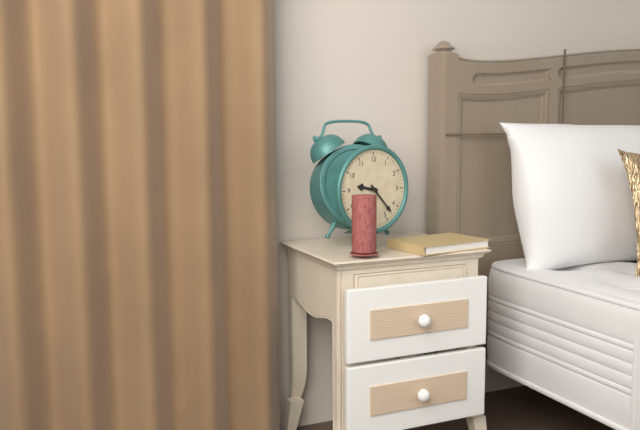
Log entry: 9:23
